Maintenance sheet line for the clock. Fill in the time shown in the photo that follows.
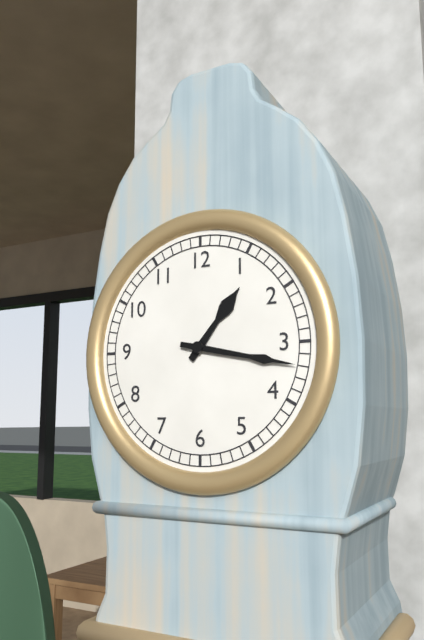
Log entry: 1:17
